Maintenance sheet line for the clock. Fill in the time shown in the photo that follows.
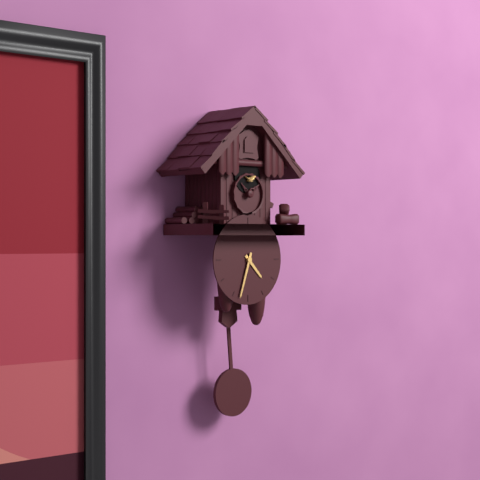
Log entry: 4:33
